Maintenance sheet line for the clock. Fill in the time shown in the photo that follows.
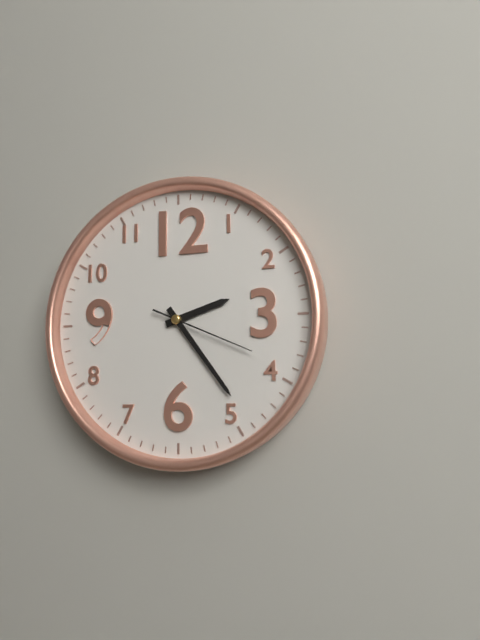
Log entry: 2:24:19
